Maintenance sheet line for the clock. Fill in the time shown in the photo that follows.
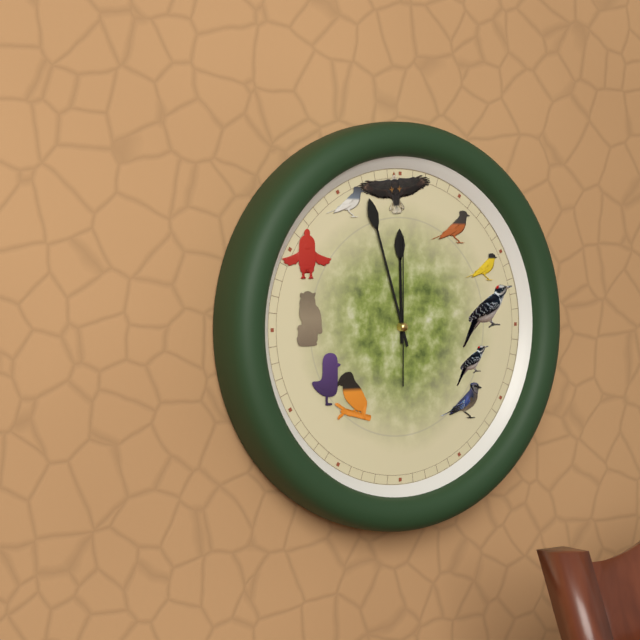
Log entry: 11:57:00
